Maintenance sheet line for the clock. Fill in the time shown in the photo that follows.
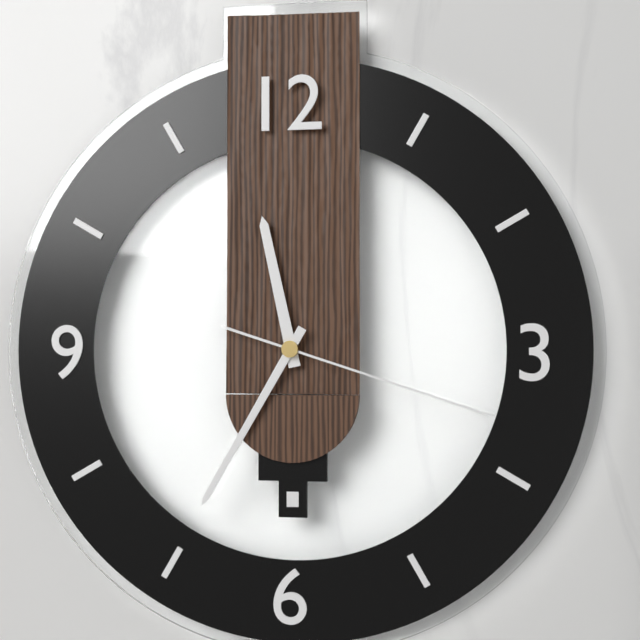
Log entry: 11:35:18
